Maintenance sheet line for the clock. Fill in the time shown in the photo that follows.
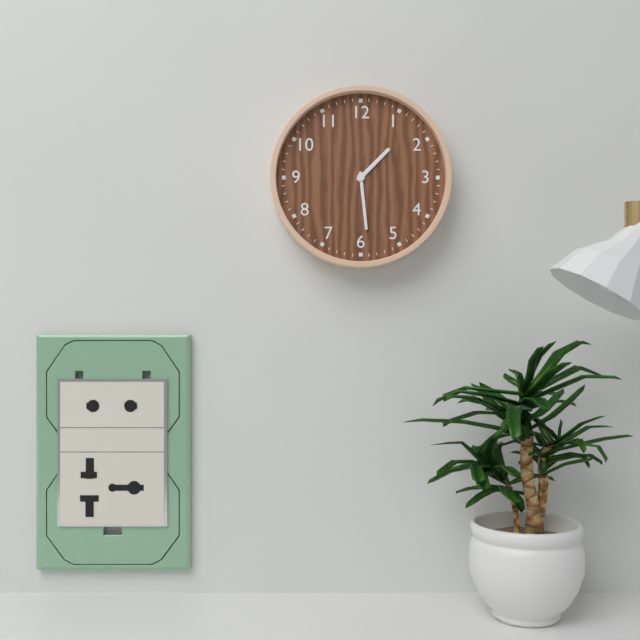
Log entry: 1:29
